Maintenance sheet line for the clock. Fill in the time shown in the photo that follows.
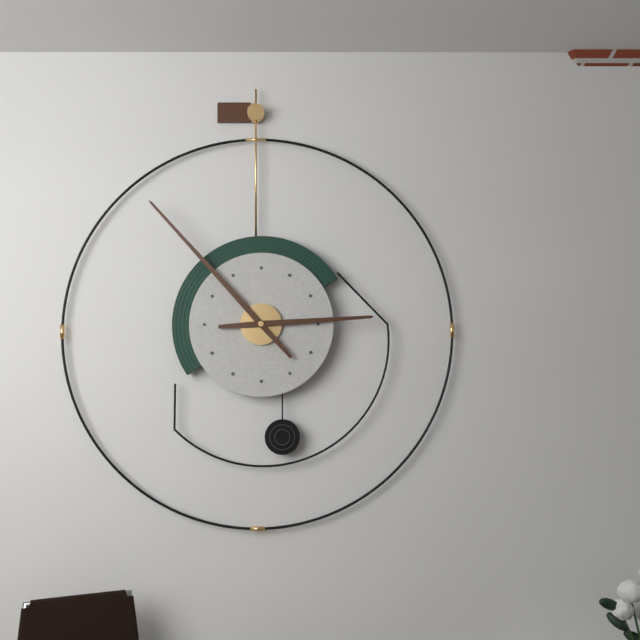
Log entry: 2:53
